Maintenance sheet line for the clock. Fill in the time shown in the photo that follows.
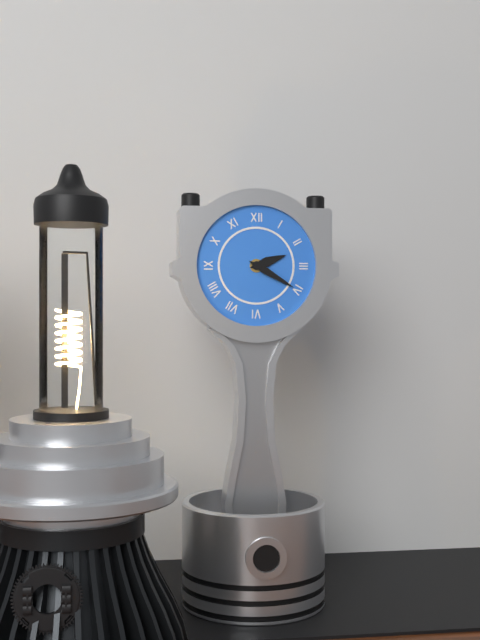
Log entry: 2:20
